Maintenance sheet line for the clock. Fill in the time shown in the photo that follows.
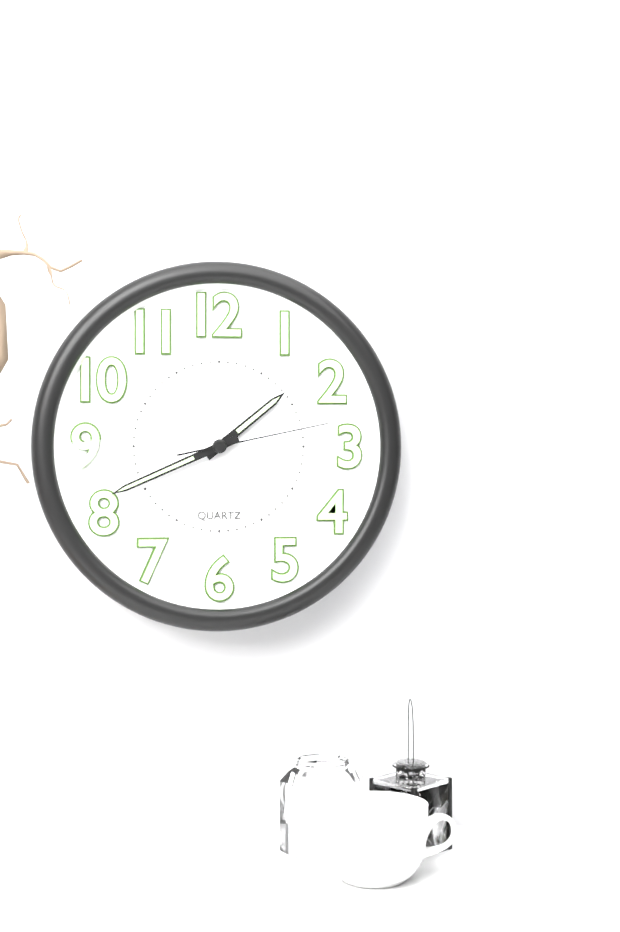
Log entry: 1:41:13
